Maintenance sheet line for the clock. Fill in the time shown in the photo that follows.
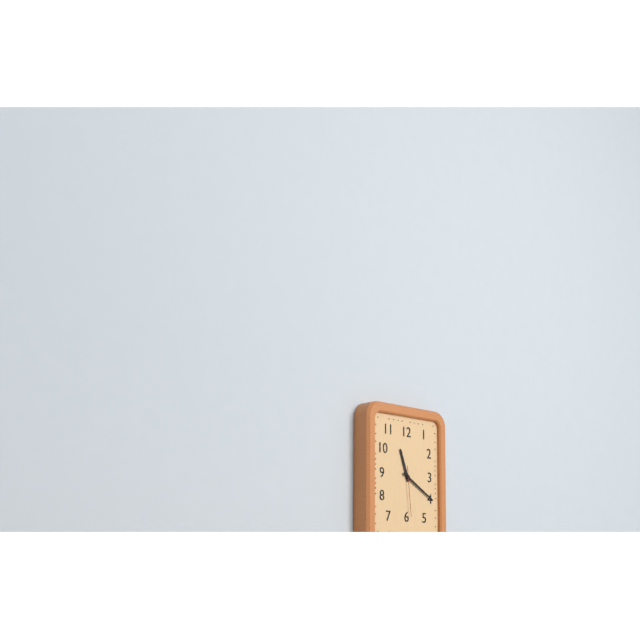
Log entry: 11:20:29
